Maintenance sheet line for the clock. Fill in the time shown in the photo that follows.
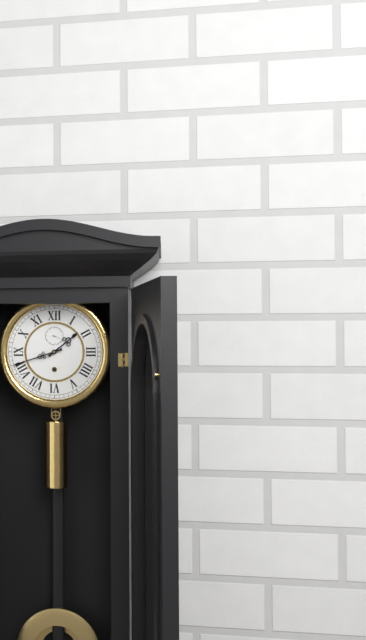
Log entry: 1:42
